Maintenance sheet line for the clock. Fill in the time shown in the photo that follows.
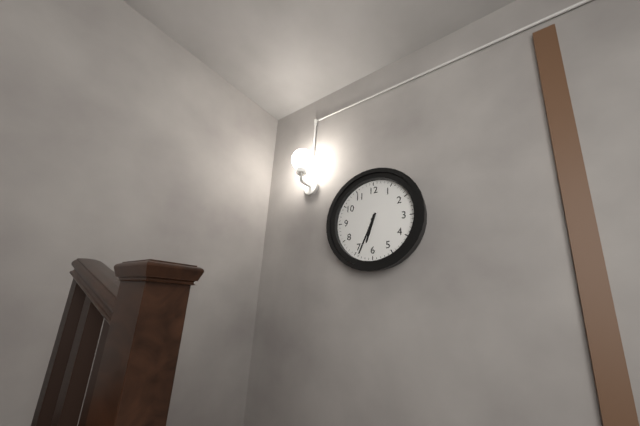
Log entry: 6:34
